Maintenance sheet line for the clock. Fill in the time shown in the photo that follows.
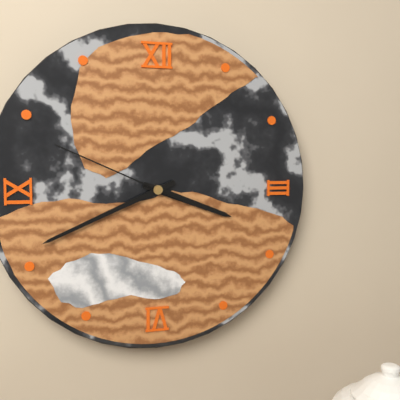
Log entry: 3:41:49
